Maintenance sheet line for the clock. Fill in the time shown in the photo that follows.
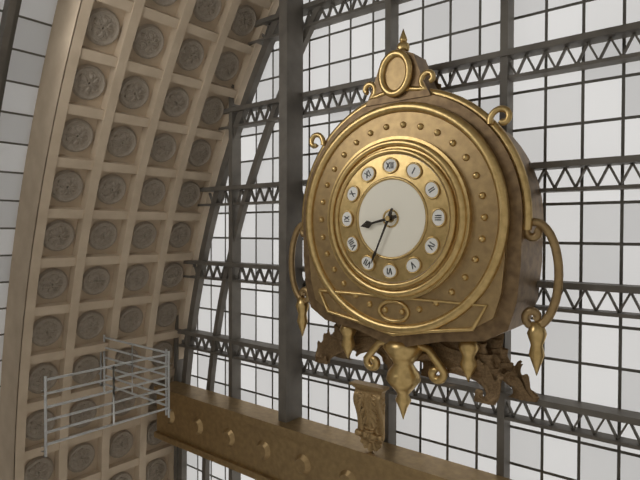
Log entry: 8:34
